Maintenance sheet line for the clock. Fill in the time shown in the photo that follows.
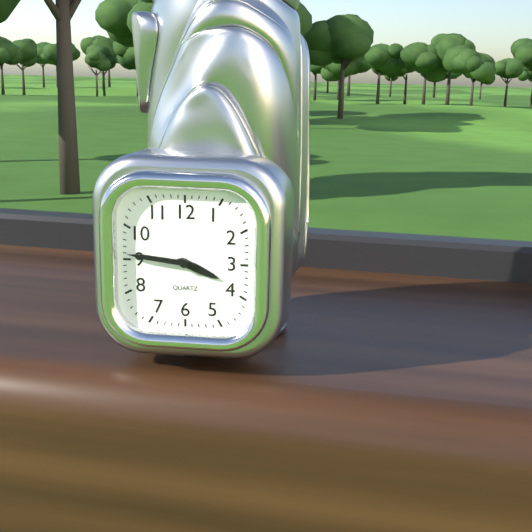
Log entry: 3:46
